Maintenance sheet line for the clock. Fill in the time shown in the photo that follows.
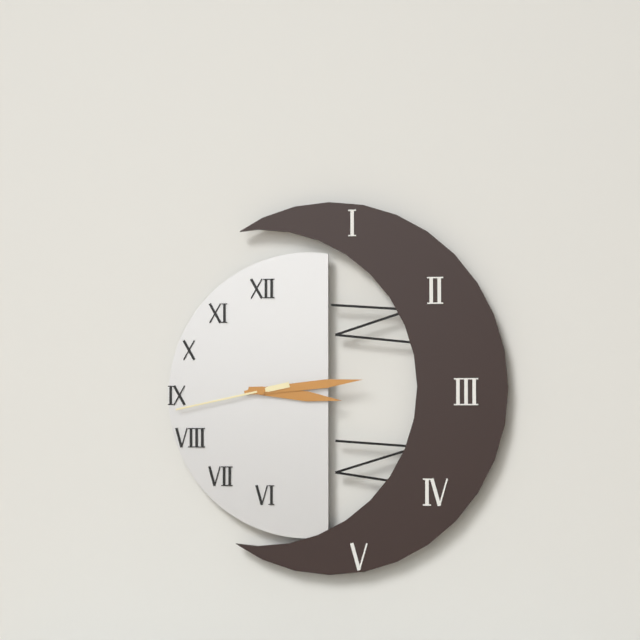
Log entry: 3:14:43
